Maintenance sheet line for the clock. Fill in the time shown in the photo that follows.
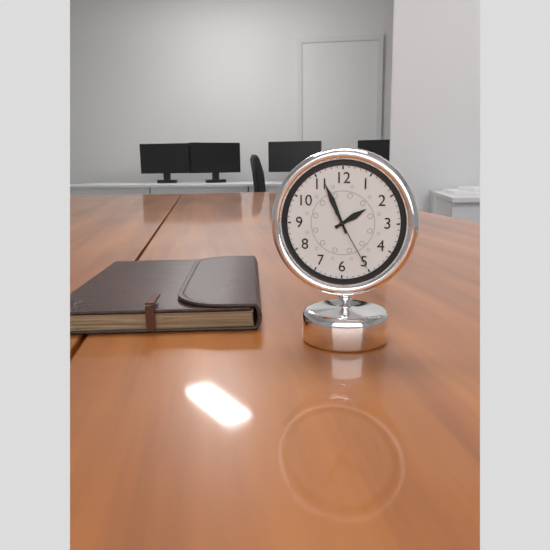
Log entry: 1:56:25
